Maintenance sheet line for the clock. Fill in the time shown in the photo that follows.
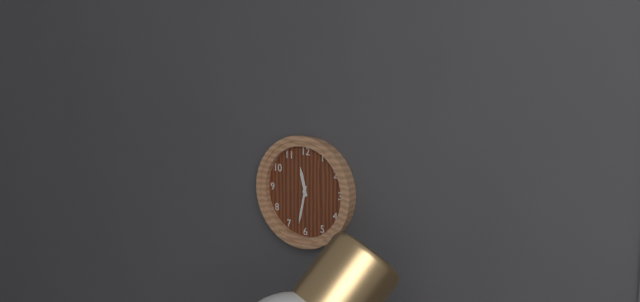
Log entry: 11:32
